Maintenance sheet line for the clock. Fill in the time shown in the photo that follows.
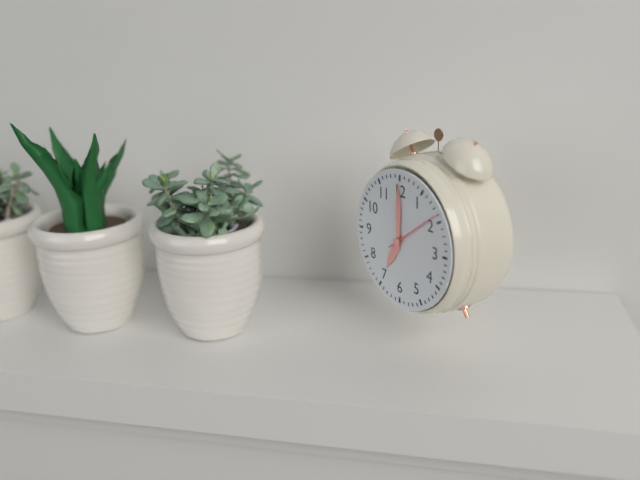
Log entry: 7:00:09
